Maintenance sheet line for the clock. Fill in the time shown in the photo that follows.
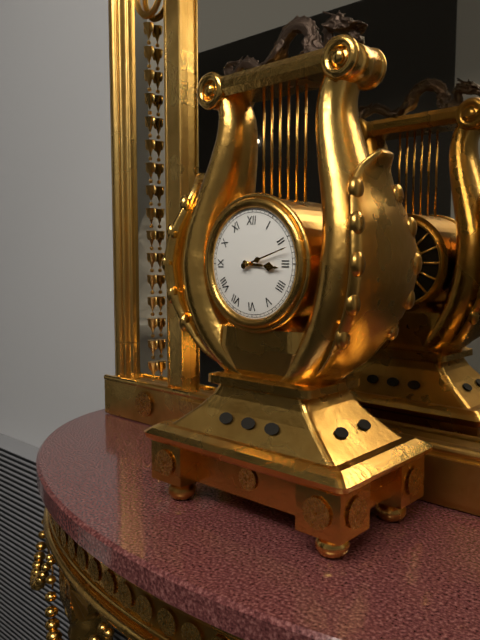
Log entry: 3:12
